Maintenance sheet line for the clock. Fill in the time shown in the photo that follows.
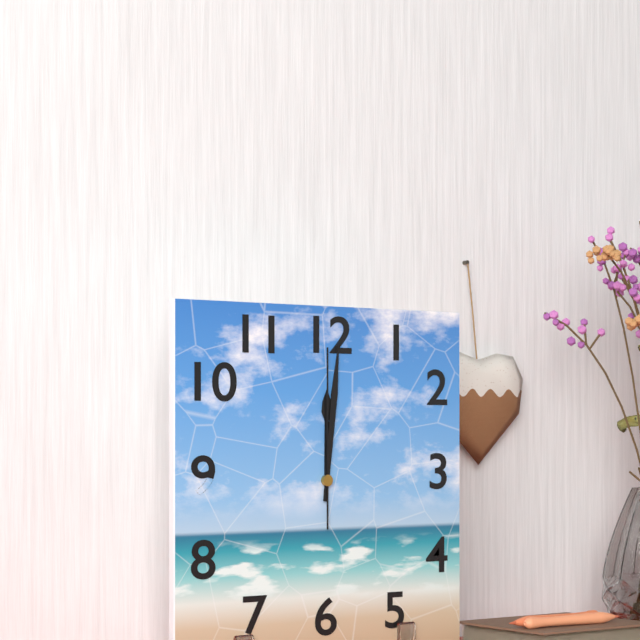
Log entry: 12:01:00
